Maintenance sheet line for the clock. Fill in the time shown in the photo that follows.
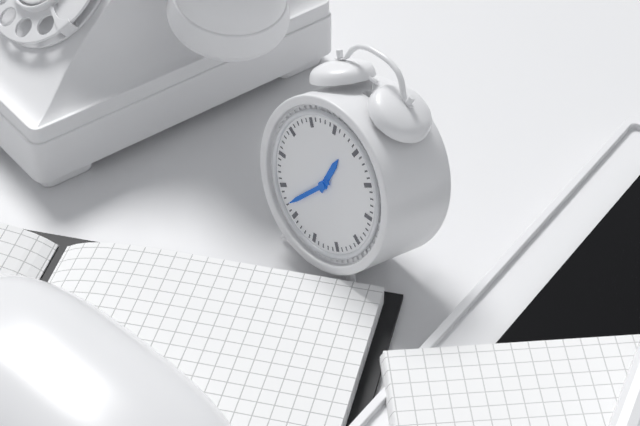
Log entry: 12:37
